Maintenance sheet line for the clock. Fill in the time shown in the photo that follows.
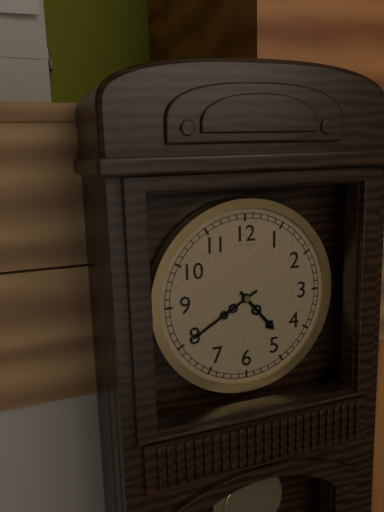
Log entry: 4:40
